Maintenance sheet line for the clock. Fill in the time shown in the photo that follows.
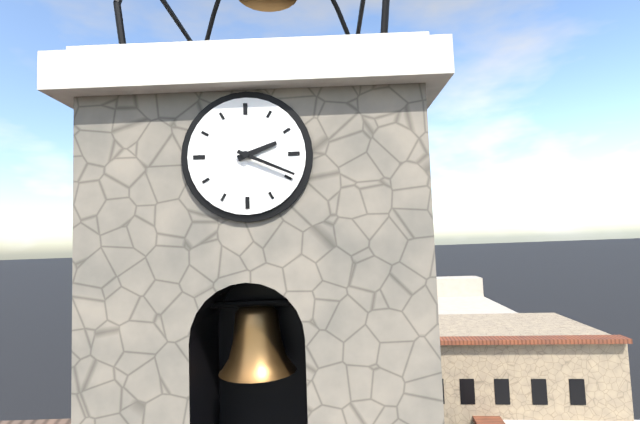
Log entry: 2:19
